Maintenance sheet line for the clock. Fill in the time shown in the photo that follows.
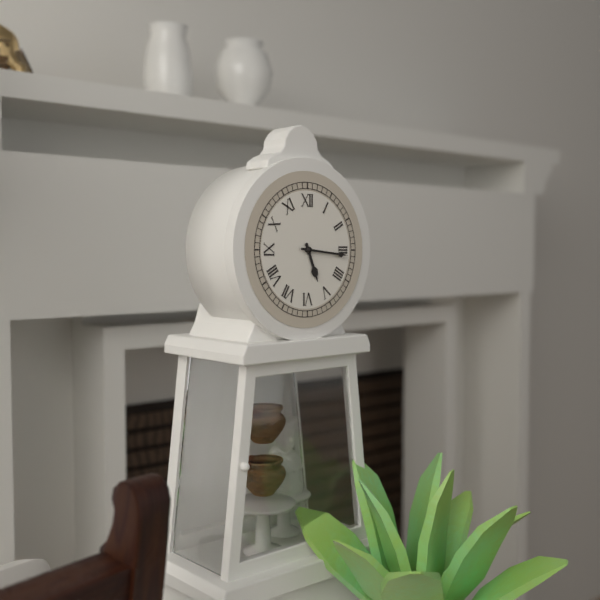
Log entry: 5:16
